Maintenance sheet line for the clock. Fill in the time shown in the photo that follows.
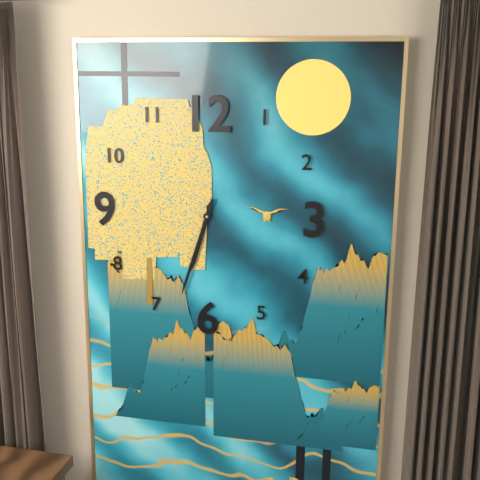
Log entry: 6:33
